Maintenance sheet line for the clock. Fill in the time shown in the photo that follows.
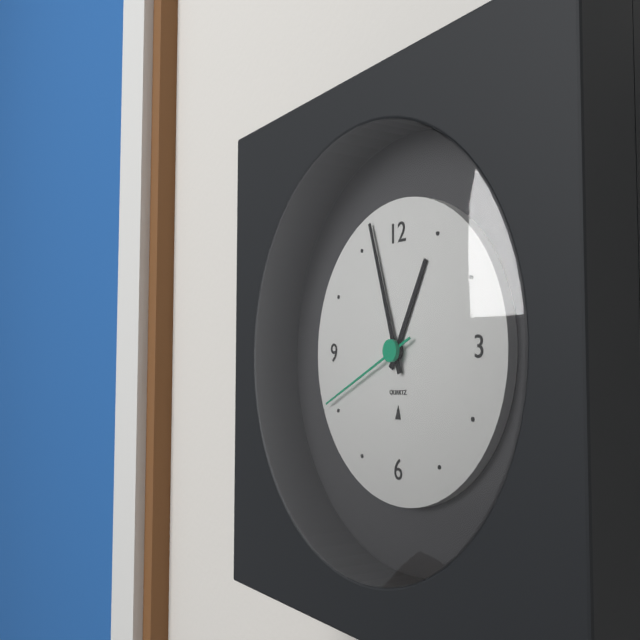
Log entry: 12:57:41
